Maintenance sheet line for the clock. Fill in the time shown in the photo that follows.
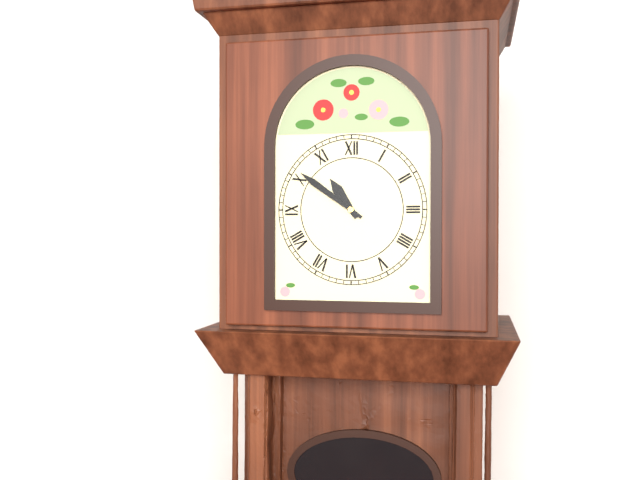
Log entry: 10:51
